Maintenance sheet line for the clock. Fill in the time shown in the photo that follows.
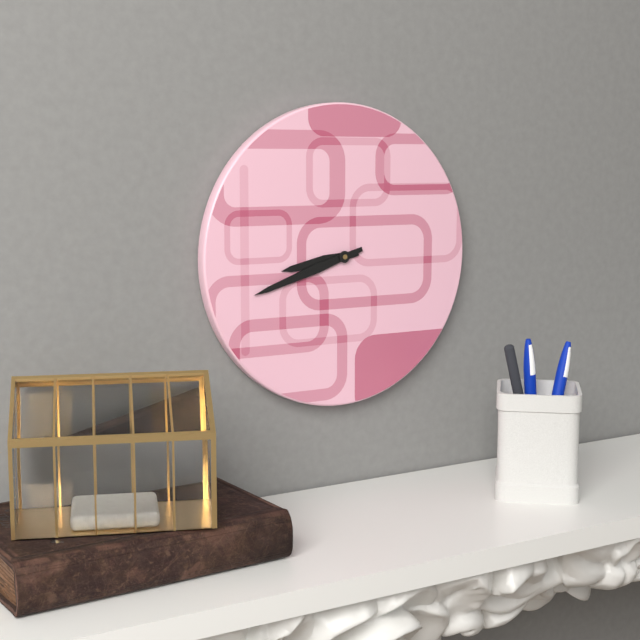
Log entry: 8:42
